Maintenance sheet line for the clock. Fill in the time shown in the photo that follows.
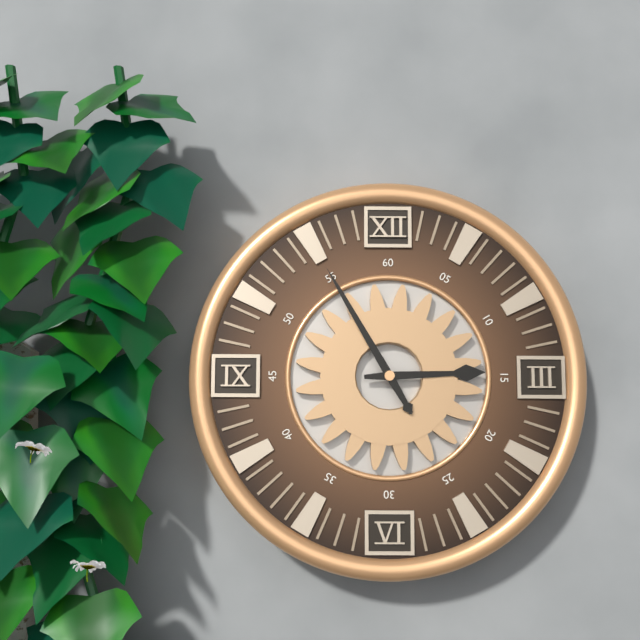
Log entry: 2:55
